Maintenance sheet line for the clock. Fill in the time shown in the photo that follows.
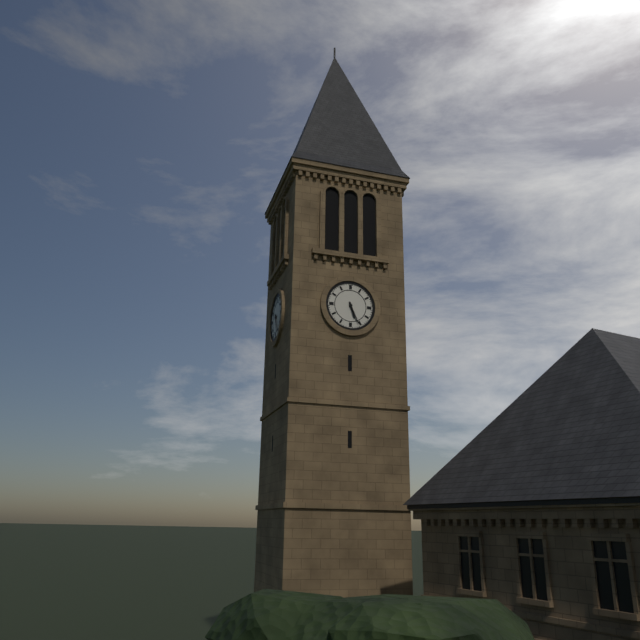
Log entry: 5:26
